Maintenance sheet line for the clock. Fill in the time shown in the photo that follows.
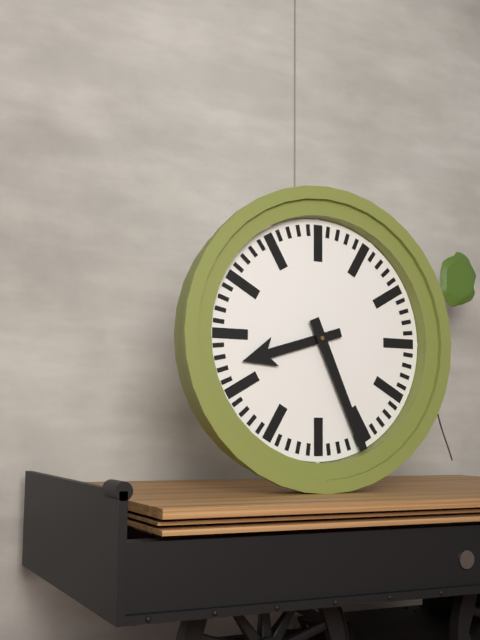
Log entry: 8:26
